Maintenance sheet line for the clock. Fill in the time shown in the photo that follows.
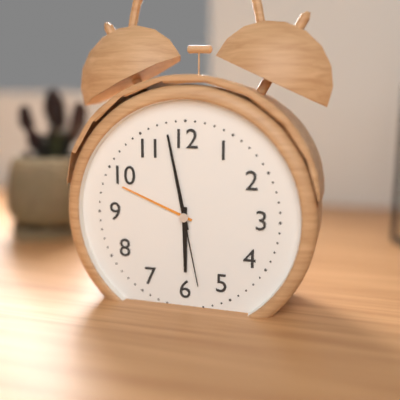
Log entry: 5:58:28
